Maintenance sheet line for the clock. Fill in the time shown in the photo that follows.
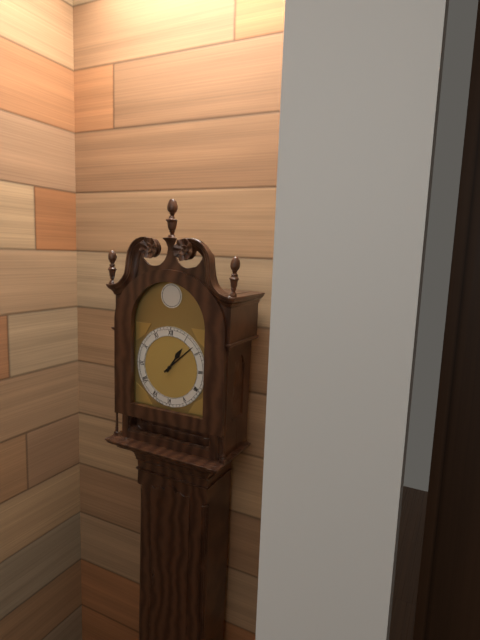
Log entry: 1:08
